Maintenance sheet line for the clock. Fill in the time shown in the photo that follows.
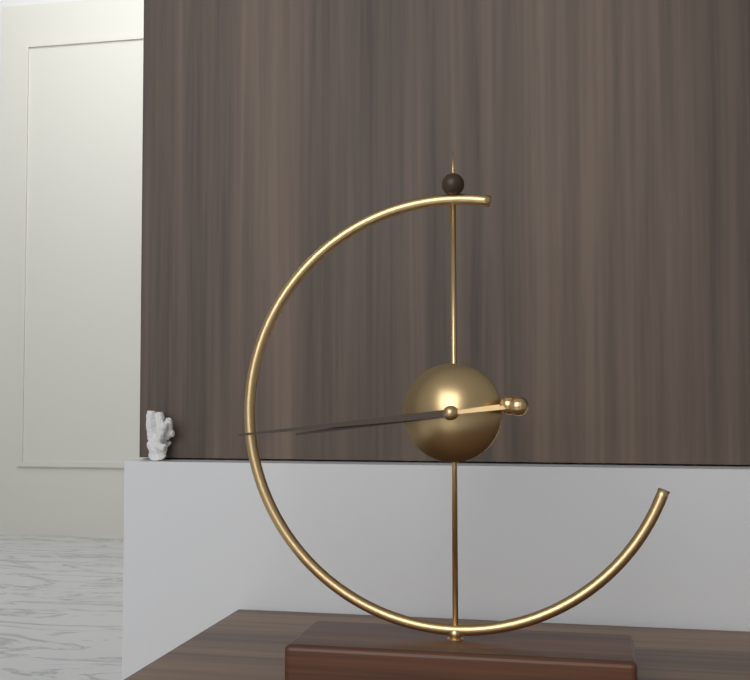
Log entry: 8:44
